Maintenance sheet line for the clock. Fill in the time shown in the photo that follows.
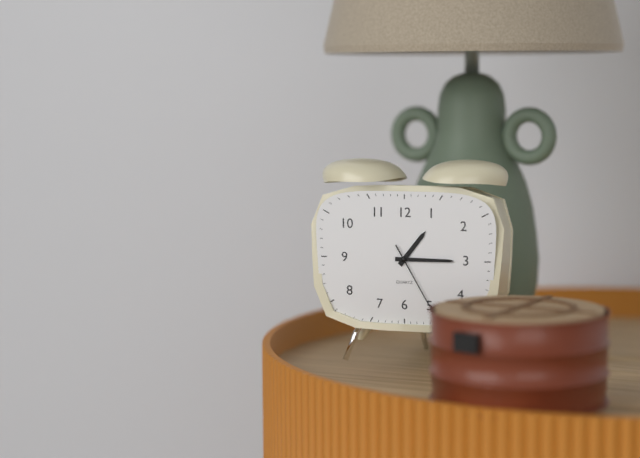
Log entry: 1:15:25
